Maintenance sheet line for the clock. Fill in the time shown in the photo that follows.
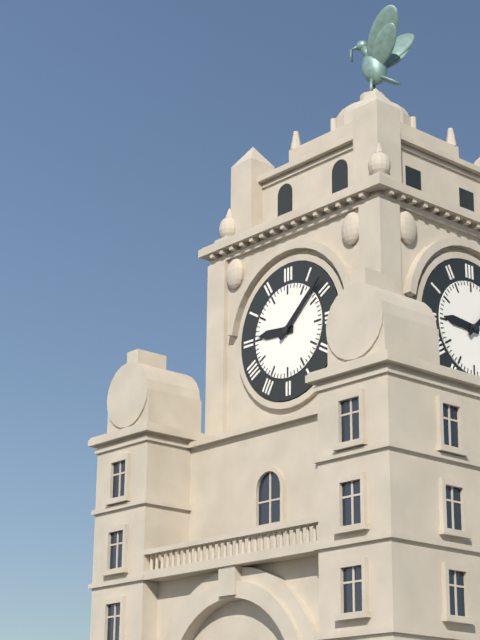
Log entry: 9:08
